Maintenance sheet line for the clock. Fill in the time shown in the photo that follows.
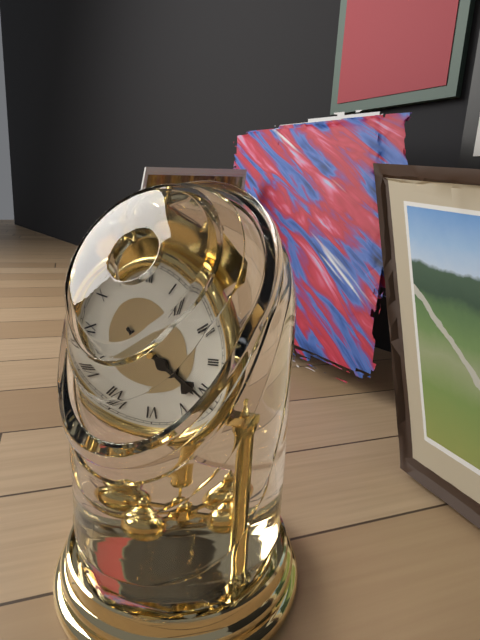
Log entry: 4:21
